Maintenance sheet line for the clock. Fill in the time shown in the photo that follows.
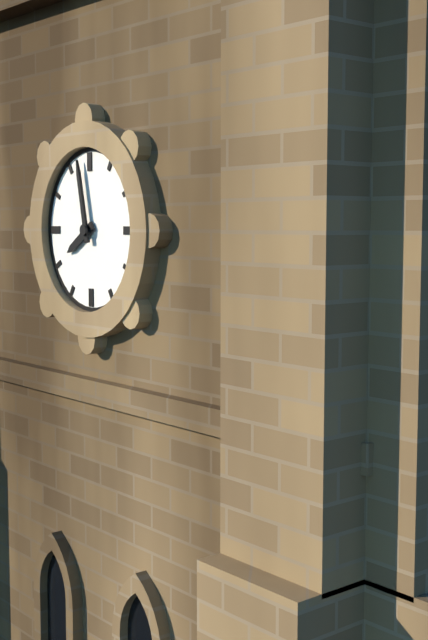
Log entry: 7:58
